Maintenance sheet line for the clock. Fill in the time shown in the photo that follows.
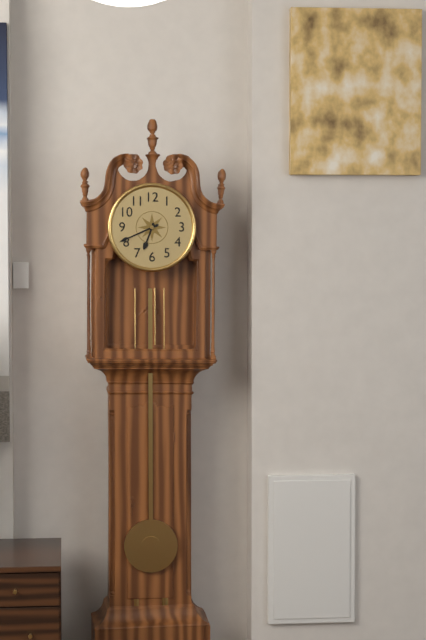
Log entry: 6:41
